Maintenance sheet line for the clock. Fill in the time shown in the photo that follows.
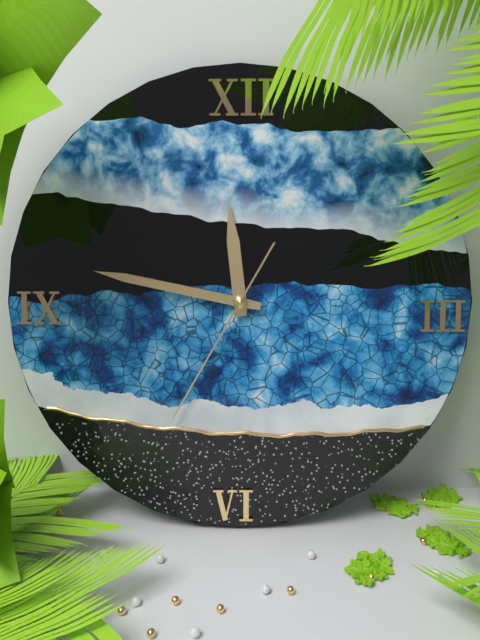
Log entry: 11:47:35
